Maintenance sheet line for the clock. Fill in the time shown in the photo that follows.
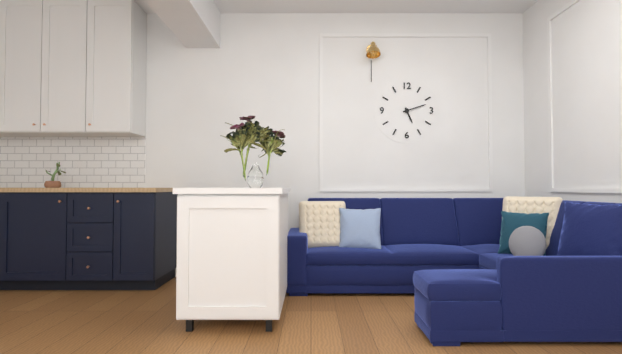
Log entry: 5:12
